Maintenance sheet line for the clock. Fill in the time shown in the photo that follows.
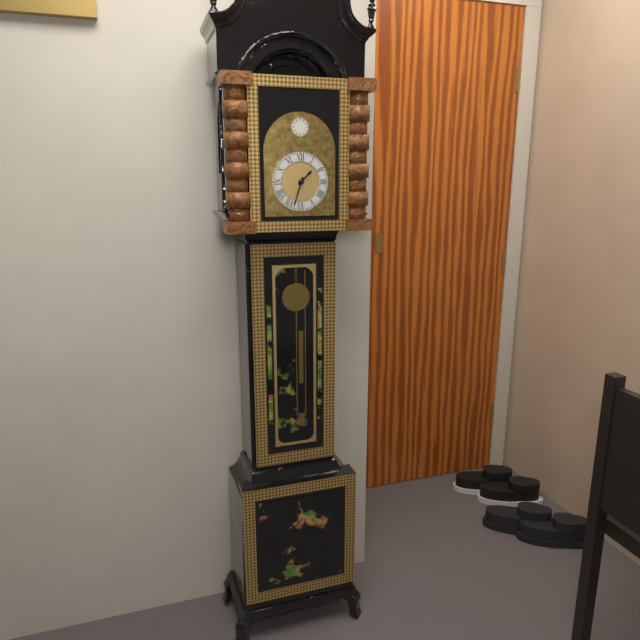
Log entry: 1:33
